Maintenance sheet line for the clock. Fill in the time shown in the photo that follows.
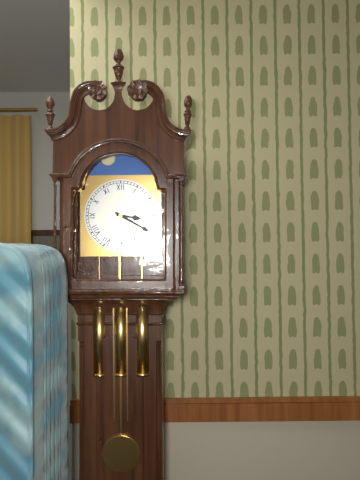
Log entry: 3:20
